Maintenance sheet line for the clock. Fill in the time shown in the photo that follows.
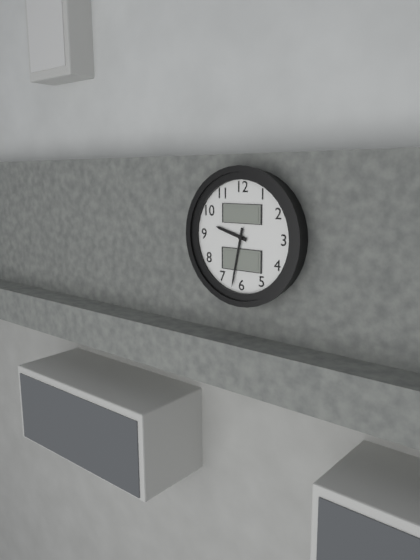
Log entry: 9:32
